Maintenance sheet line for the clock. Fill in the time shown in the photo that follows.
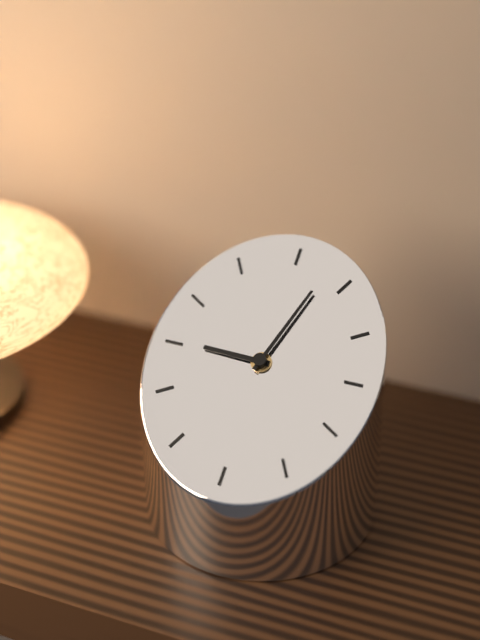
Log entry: 9:03
